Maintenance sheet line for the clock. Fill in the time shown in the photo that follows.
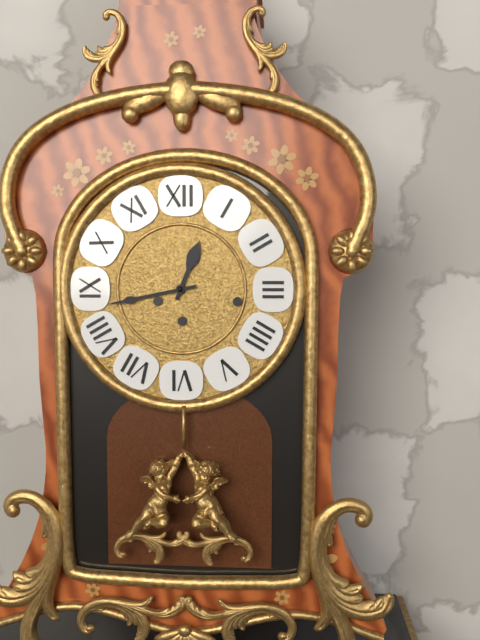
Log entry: 12:43
